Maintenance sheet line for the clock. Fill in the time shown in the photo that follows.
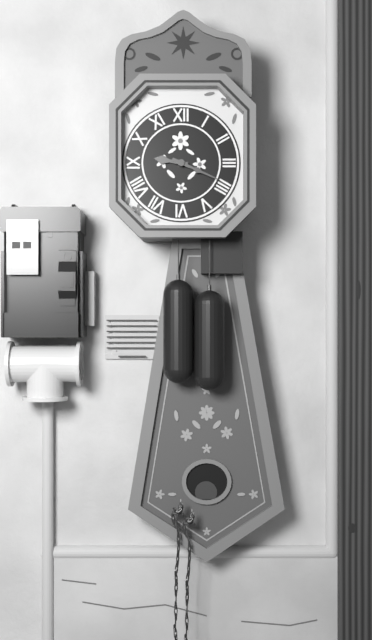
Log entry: 9:19
